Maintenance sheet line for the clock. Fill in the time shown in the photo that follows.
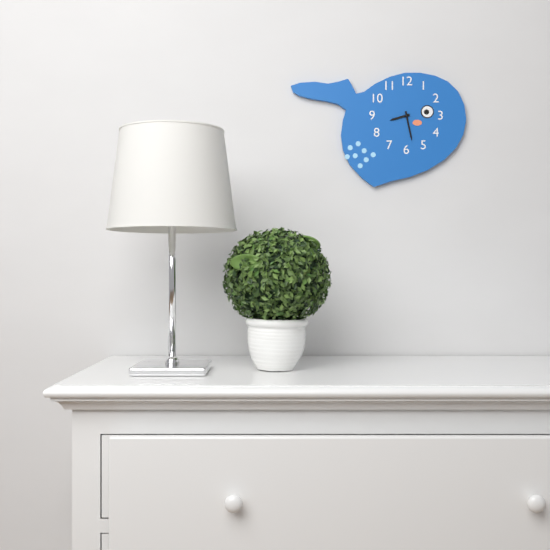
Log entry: 8:28
